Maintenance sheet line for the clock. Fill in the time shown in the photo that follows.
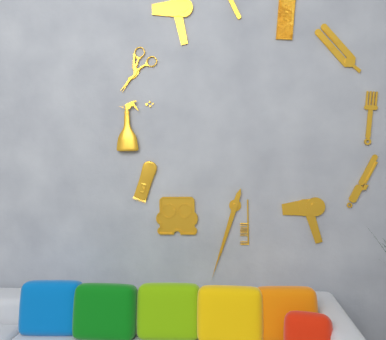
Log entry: 6:33
